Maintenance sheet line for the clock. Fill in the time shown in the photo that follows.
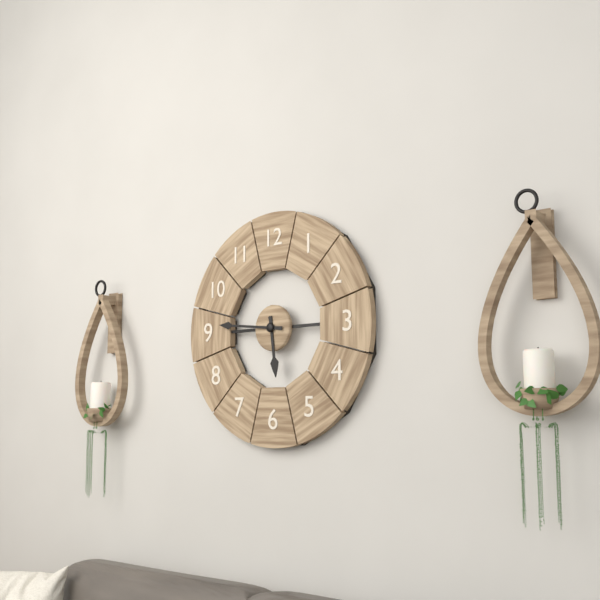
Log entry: 5:46
